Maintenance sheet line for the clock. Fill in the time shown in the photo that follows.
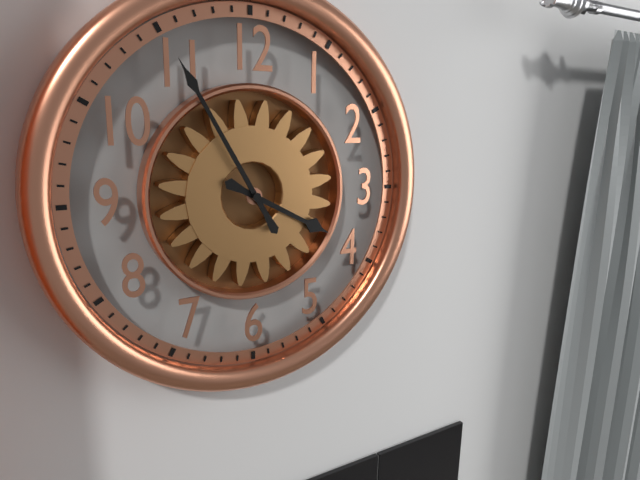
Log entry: 3:55
